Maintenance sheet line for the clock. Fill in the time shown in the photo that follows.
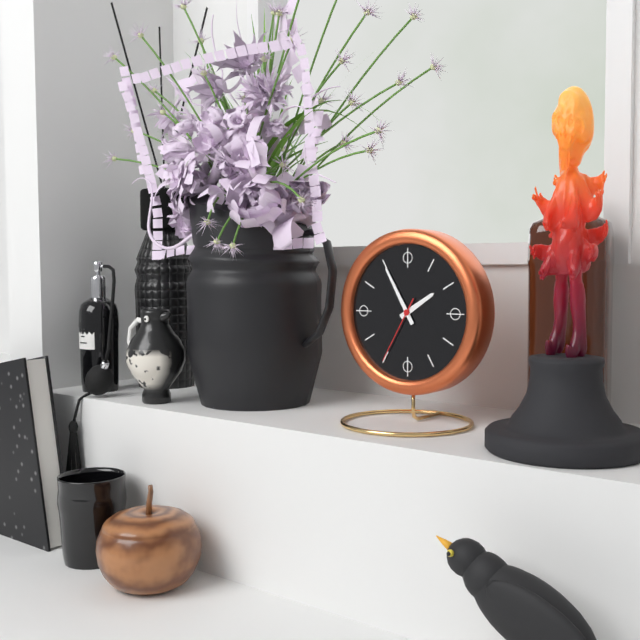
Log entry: 1:55:35
